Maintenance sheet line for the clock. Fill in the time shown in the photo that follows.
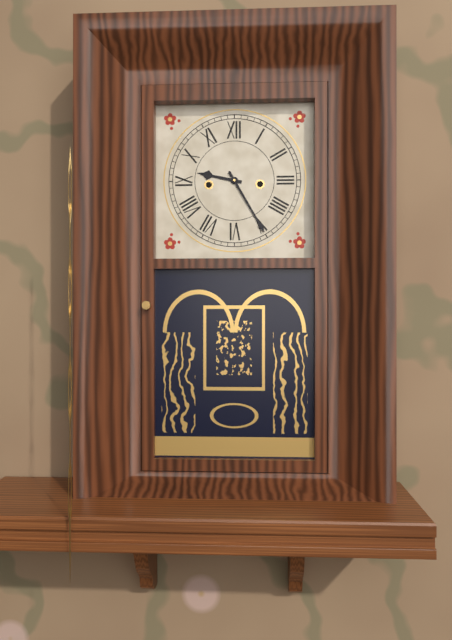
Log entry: 9:25
